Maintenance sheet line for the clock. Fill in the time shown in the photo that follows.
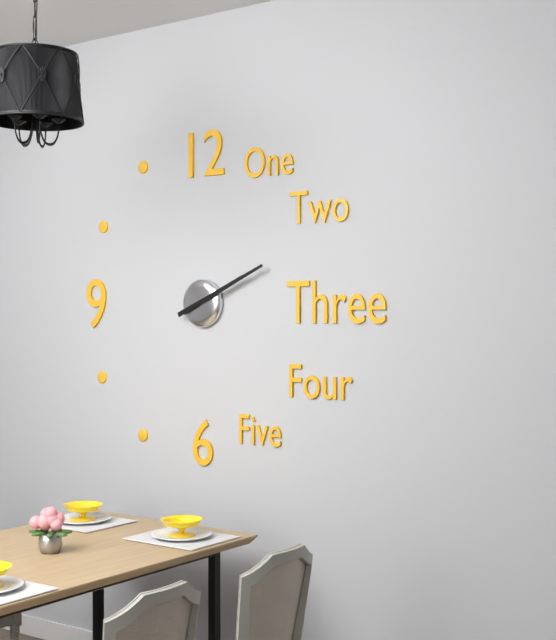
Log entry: 2:11
